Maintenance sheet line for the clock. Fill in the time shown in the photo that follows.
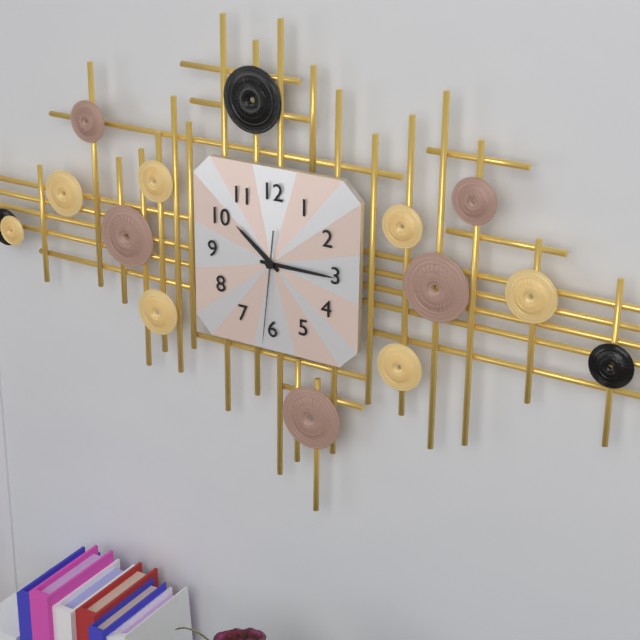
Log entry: 10:15:31
